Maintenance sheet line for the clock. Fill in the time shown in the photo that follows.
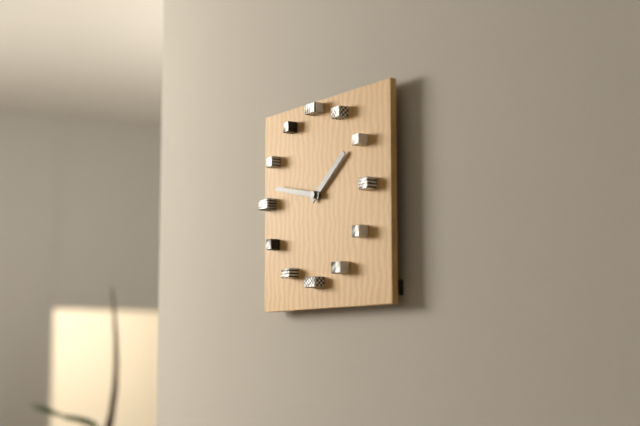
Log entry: 1:47
